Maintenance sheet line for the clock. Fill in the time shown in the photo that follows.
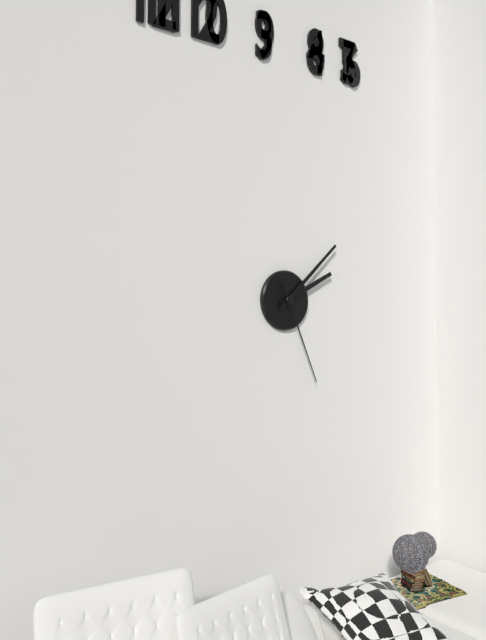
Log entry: 2:08:26
